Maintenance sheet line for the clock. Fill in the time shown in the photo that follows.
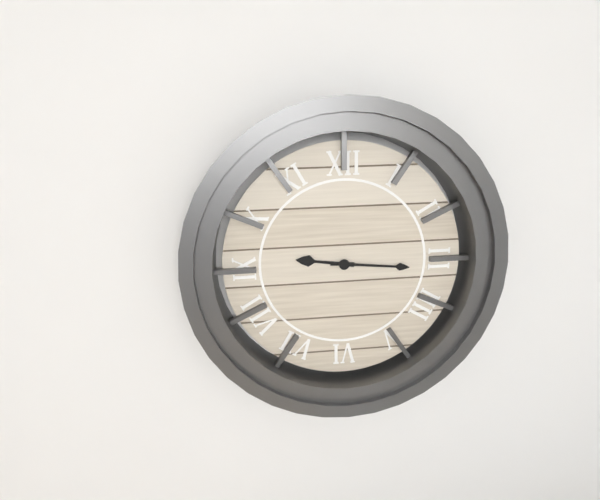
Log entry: 9:16
